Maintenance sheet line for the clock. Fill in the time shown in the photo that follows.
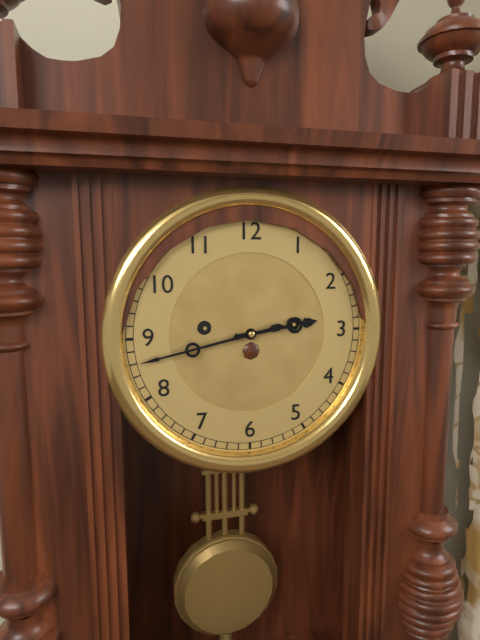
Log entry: 2:43
